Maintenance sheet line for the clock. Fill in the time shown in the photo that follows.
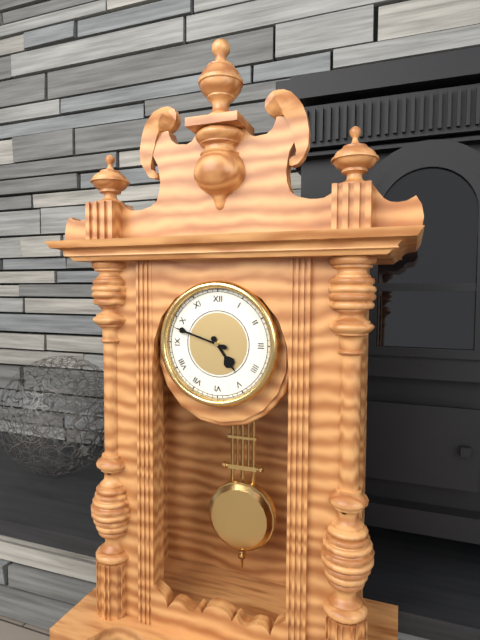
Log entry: 4:48
